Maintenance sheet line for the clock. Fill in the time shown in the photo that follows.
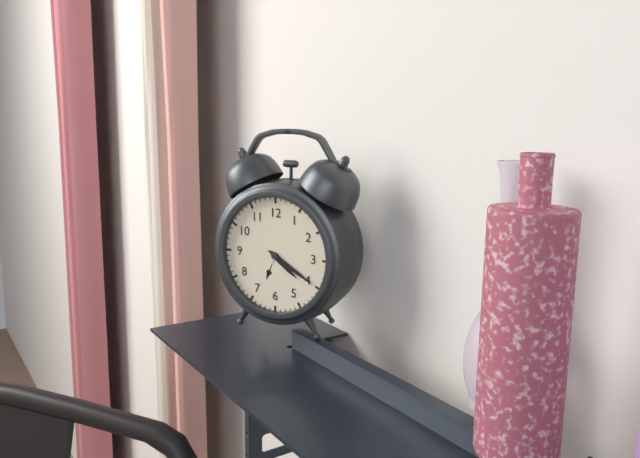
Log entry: 4:20
